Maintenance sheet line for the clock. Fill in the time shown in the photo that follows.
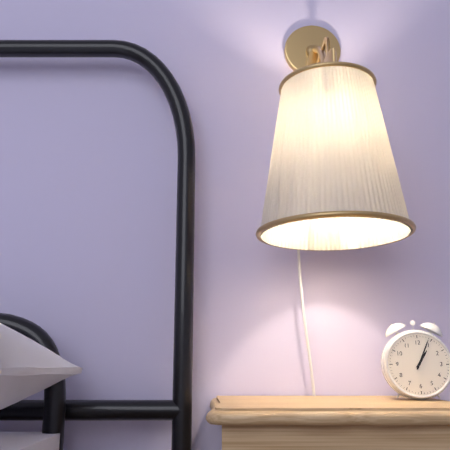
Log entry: 1:04
